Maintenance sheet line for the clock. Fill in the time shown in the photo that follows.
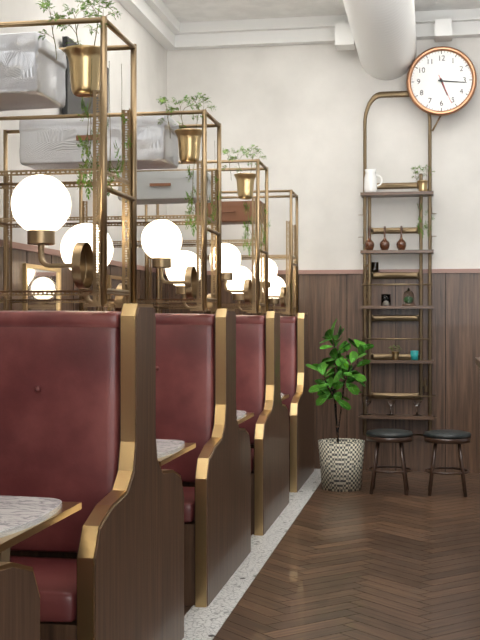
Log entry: 5:16
